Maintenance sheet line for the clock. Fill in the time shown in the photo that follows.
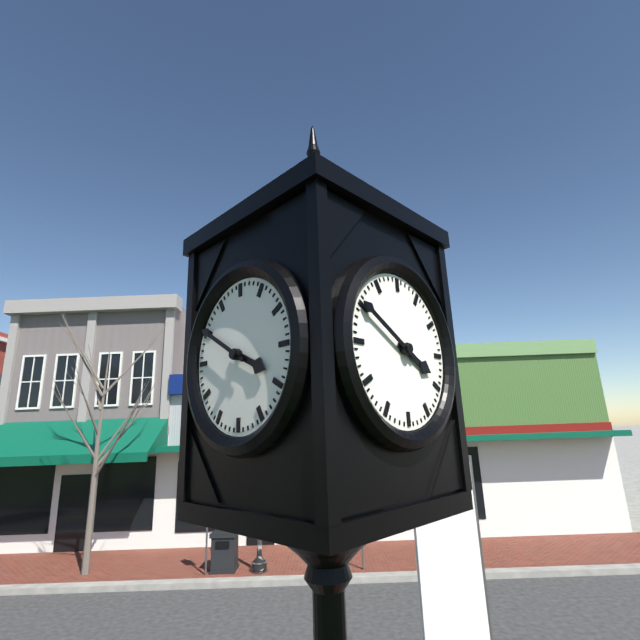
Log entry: 3:50
